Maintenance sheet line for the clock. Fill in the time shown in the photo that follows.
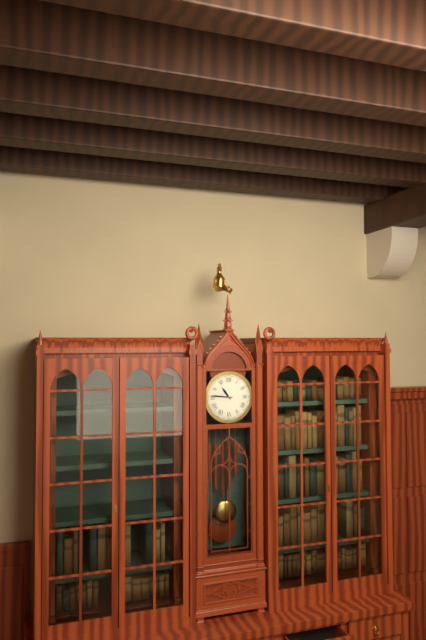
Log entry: 10:46
